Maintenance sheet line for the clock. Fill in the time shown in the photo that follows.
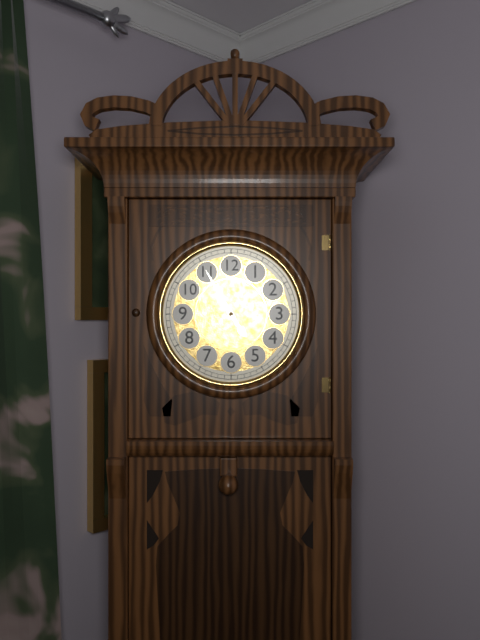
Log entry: 4:55
